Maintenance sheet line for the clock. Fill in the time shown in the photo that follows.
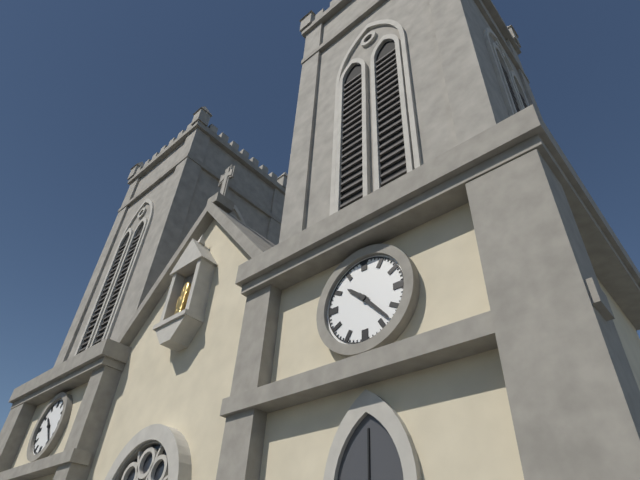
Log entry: 10:23
